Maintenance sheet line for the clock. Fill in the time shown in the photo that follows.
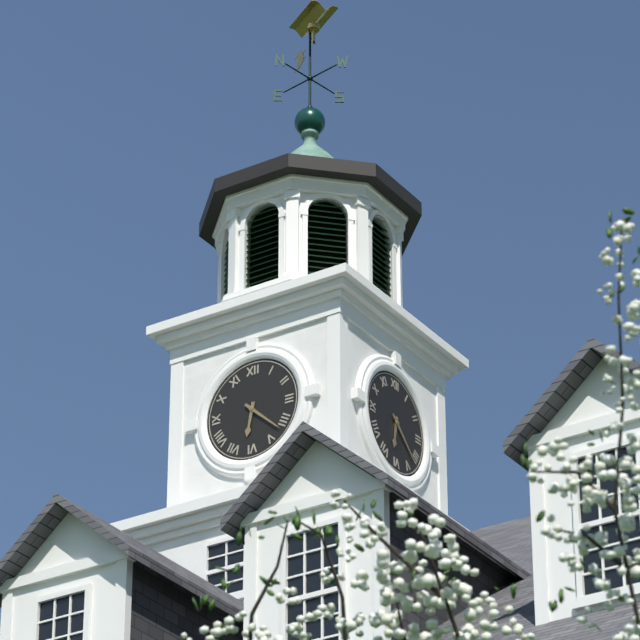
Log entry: 6:22
